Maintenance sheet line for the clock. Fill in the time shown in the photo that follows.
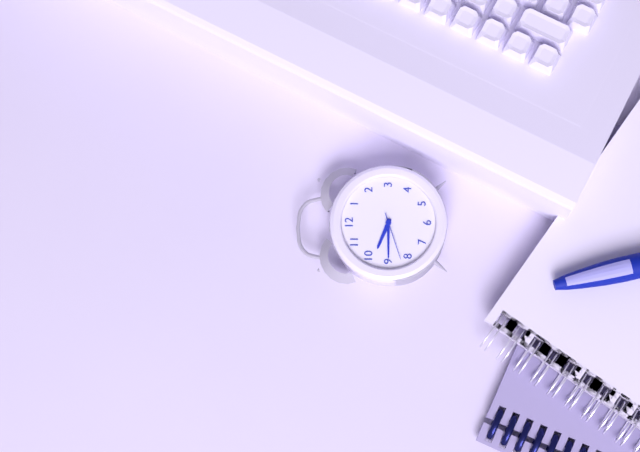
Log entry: 9:45
